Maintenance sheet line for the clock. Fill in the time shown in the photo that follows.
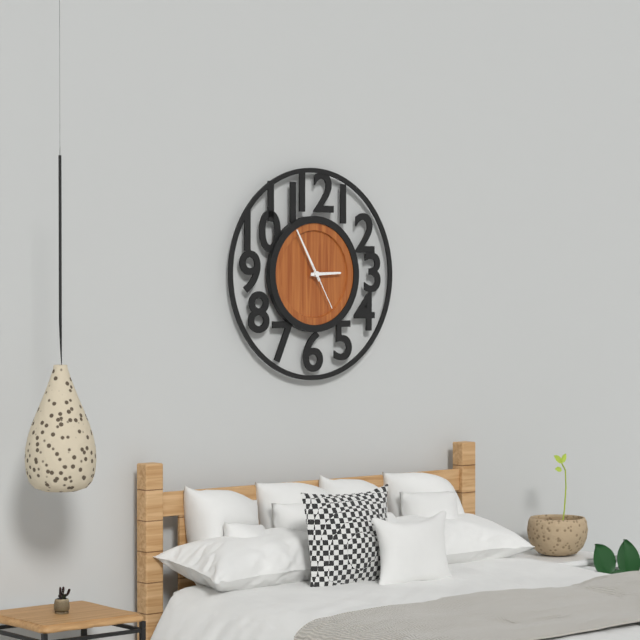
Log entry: 2:55
